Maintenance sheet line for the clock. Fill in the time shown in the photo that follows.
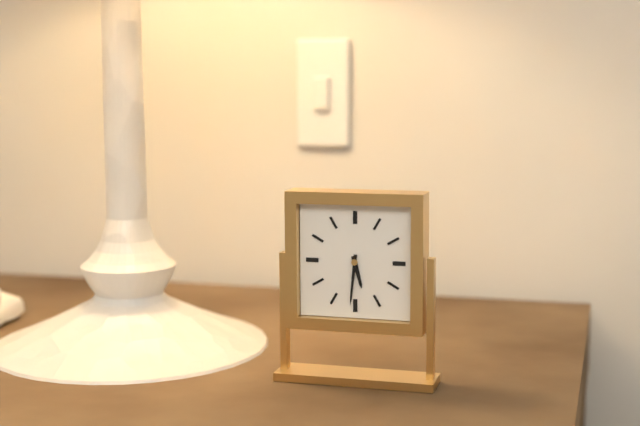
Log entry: 5:31
